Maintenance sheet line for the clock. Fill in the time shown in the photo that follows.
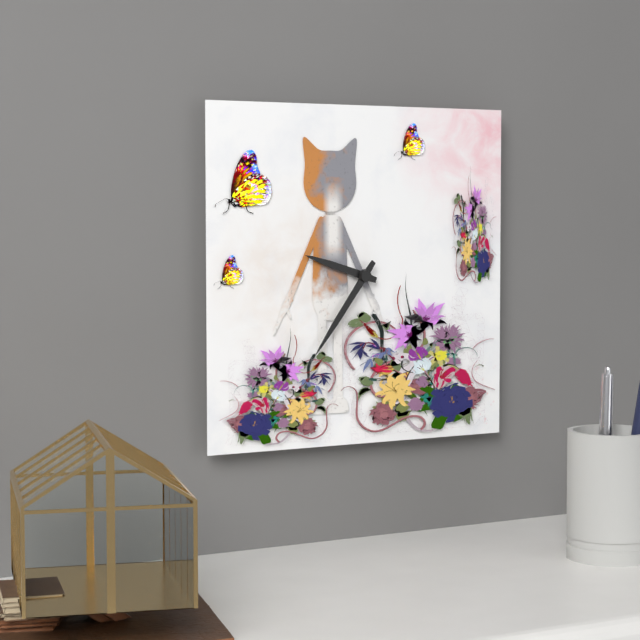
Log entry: 9:36
